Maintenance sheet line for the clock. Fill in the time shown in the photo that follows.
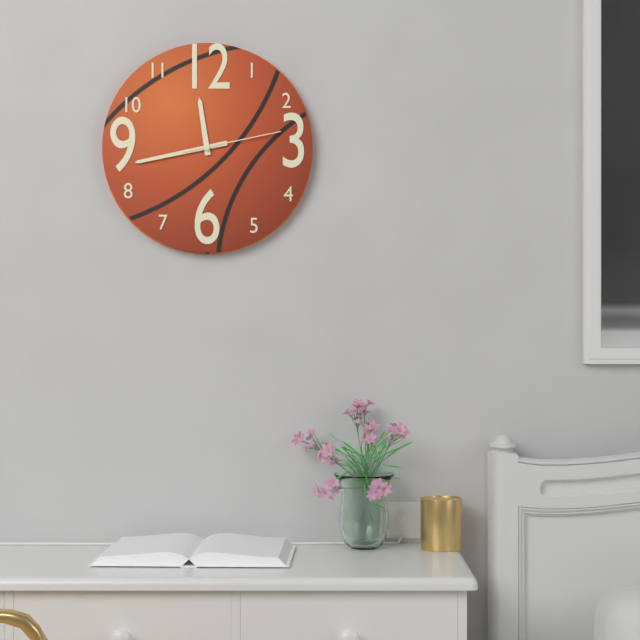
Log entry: 11:43:13
